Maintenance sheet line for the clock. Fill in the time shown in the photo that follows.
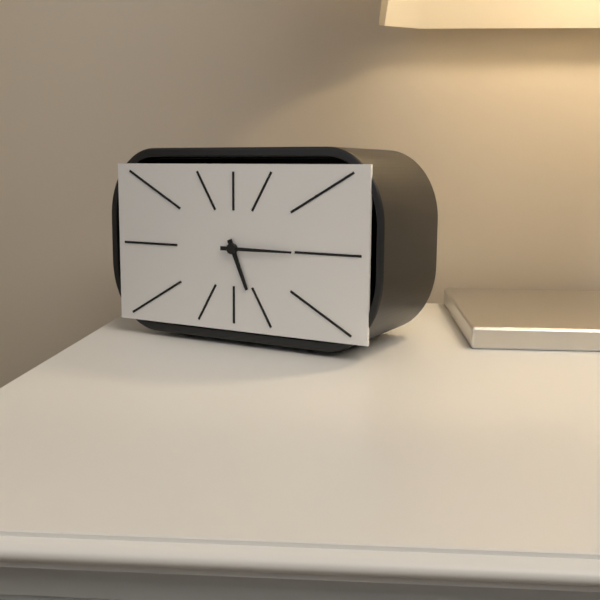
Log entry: 5:15
